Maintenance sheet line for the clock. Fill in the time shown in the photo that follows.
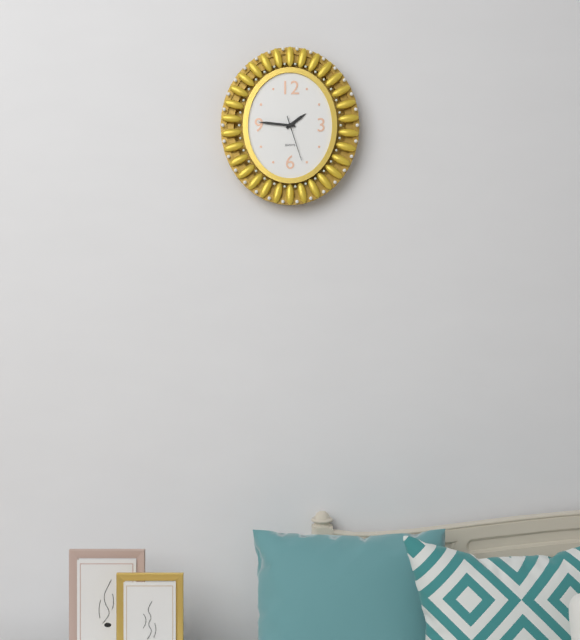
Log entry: 1:46
